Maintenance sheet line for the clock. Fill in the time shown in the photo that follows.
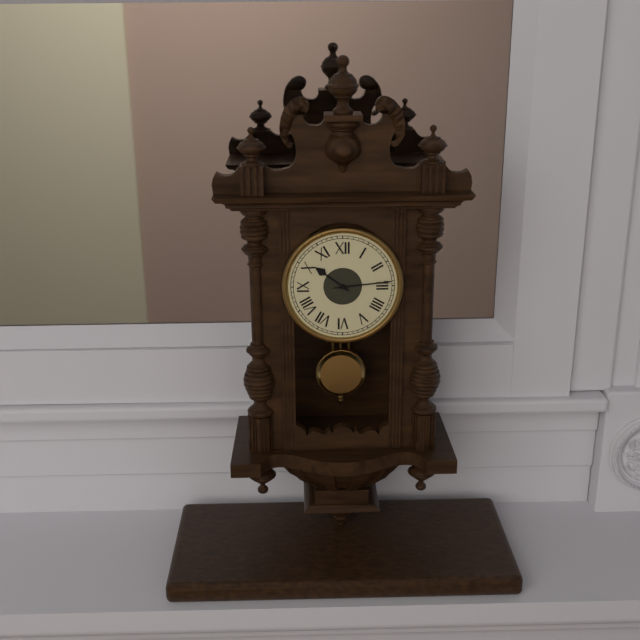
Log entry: 10:14
